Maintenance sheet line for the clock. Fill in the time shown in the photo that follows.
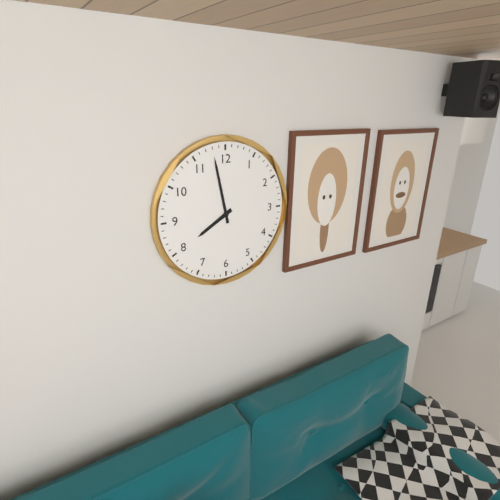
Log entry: 7:58
